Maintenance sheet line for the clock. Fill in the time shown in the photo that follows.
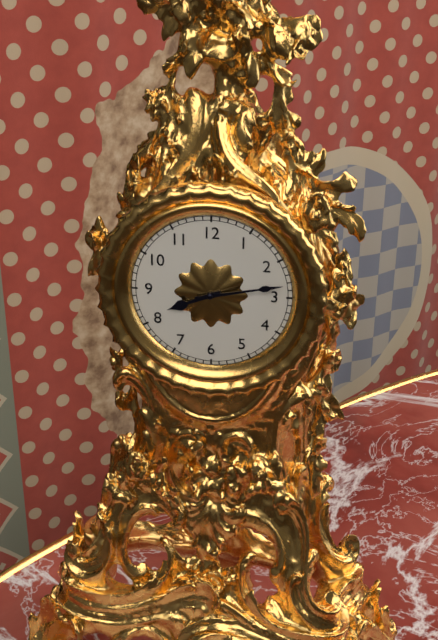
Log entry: 8:13
